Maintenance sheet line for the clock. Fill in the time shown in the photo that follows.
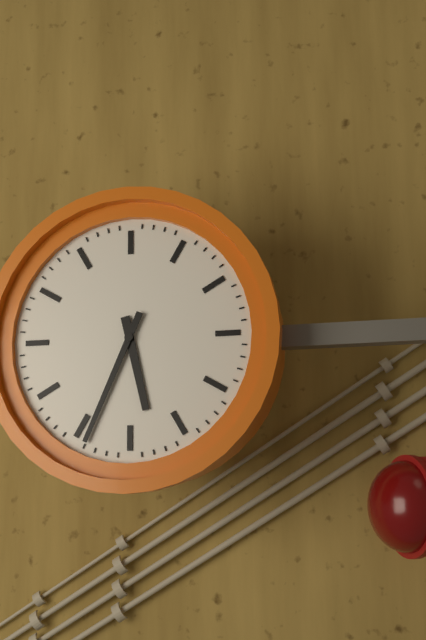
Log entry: 5:34
